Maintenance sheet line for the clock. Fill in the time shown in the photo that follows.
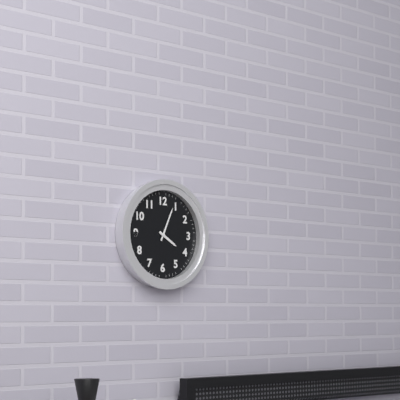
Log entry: 4:04
